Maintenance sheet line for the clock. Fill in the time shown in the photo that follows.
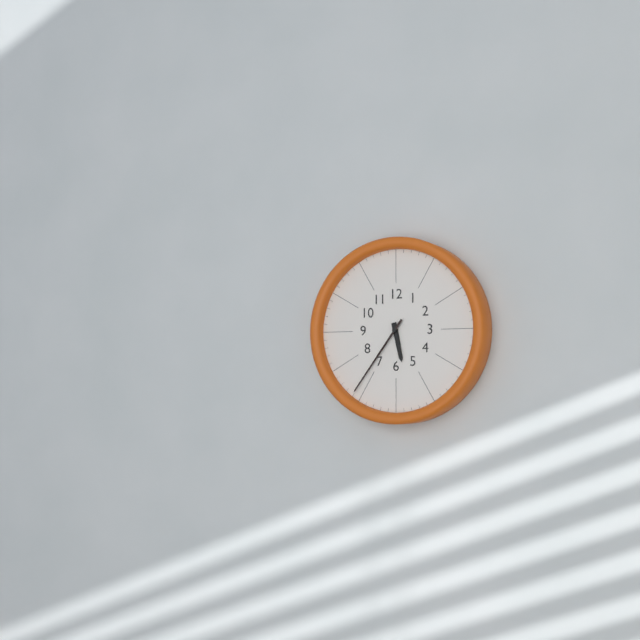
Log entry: 5:36
